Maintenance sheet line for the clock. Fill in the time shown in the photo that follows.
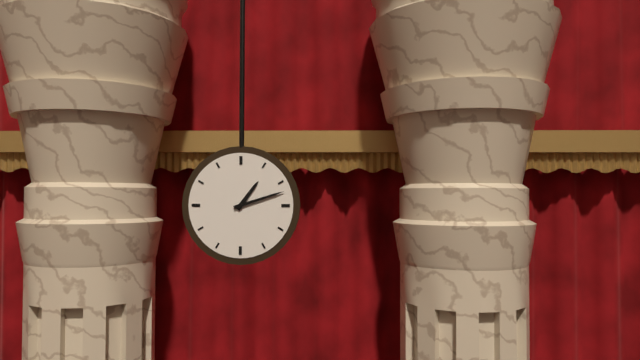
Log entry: 1:12
